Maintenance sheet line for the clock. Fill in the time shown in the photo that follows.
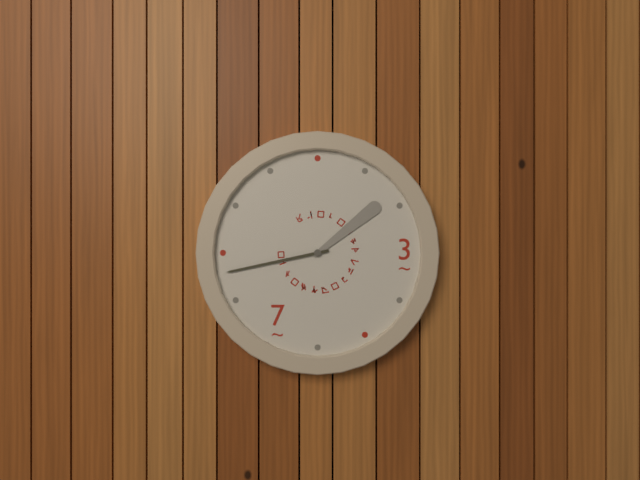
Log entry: 1:43
